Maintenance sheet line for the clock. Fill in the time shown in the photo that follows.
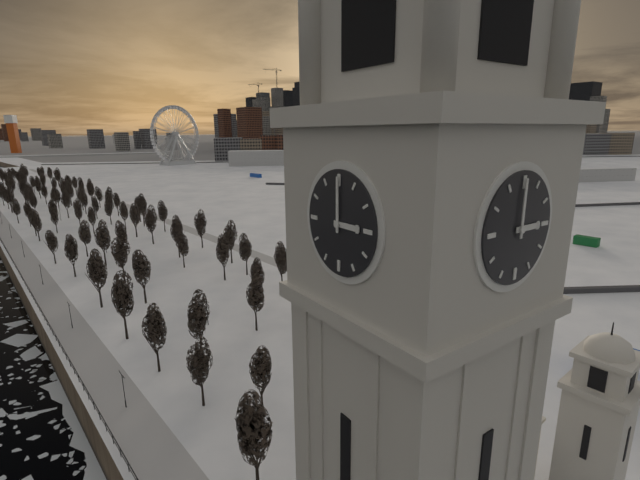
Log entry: 3:00
